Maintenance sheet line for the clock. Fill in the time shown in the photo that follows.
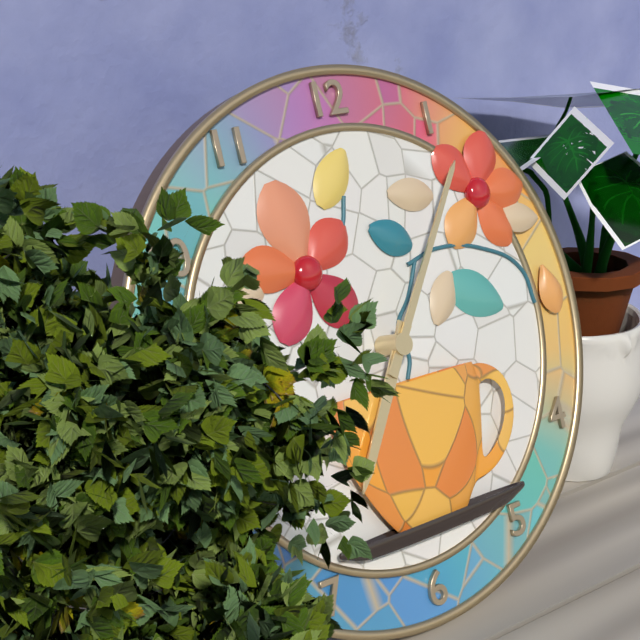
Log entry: 7:06
